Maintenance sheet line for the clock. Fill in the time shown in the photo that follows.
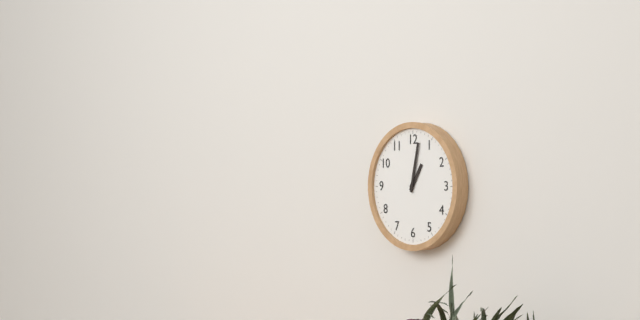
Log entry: 1:02
